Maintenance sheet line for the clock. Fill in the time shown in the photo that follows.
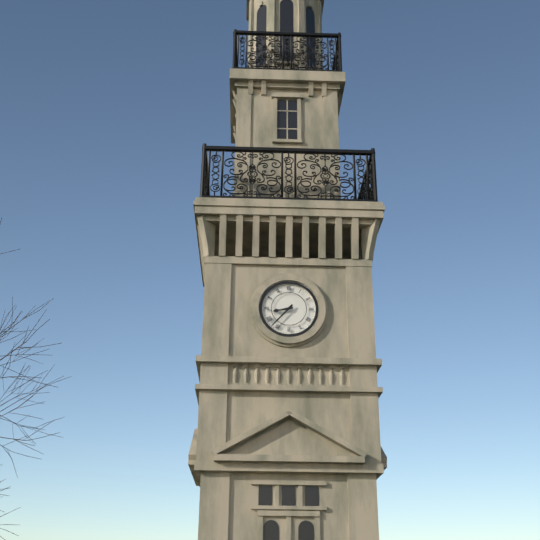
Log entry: 8:37
